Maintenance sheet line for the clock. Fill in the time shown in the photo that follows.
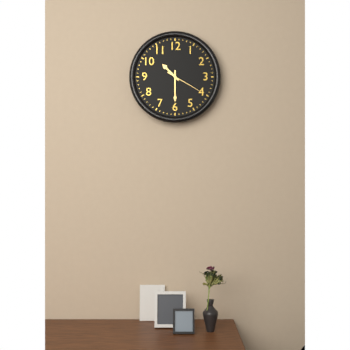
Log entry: 10:30
